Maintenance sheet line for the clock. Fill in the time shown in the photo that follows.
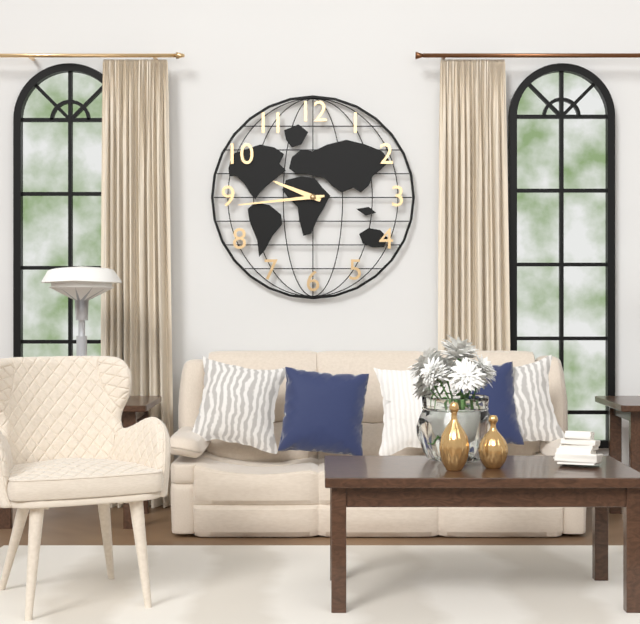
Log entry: 9:44
